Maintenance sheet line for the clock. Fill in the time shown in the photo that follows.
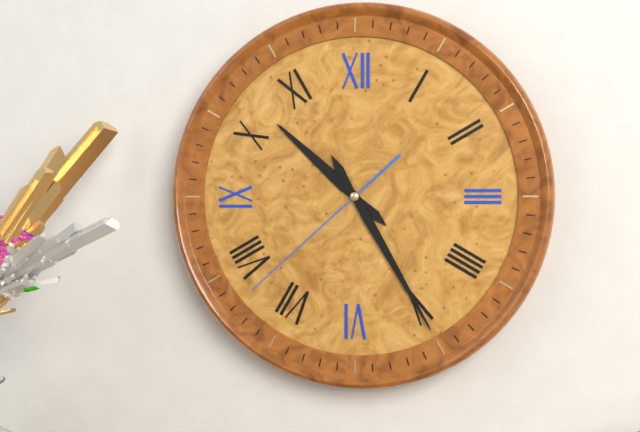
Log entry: 10:25:38
